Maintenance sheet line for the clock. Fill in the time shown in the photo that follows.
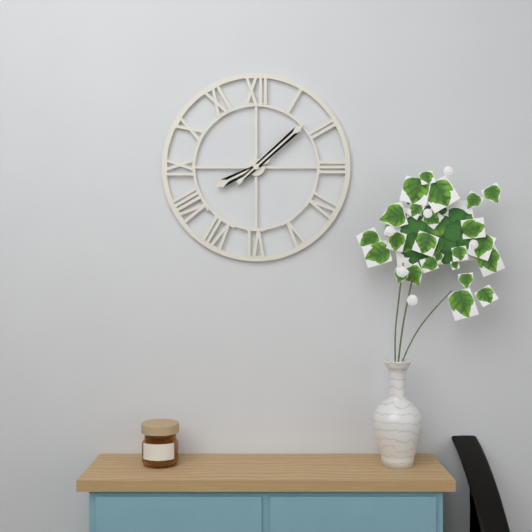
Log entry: 8:08
